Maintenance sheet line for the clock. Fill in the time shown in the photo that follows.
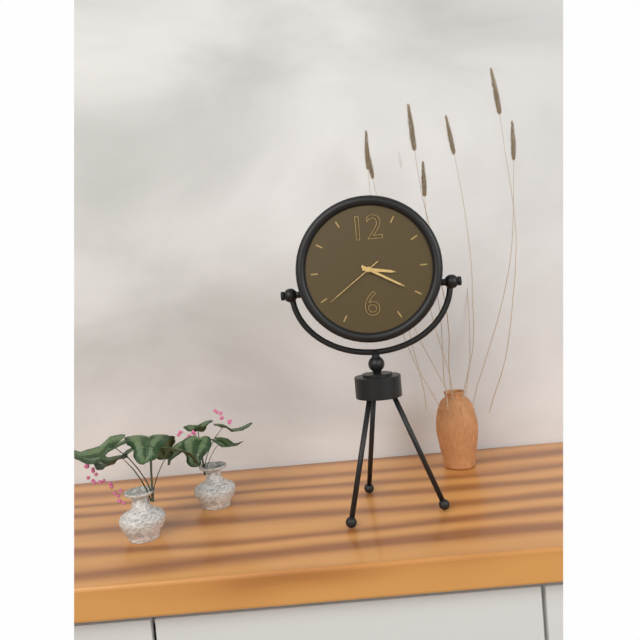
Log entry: 3:20:39
